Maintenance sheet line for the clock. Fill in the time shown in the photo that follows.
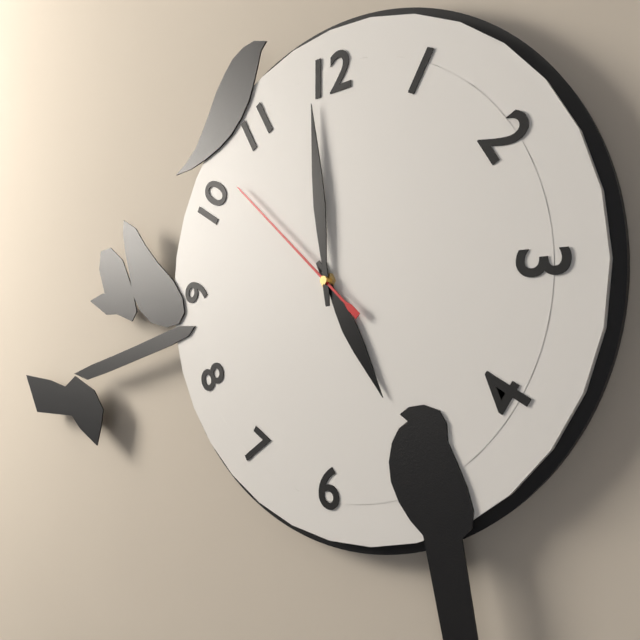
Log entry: 4:59:52
